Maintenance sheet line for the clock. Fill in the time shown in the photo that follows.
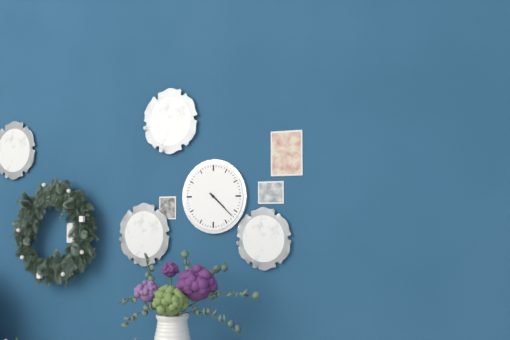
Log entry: 4:22
